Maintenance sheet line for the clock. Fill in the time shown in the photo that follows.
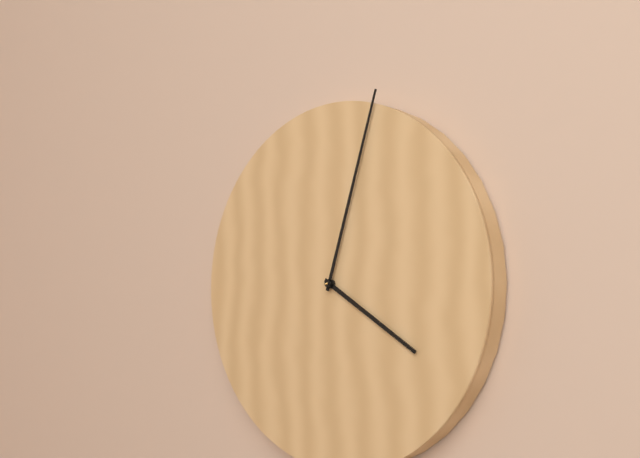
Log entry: 4:03
